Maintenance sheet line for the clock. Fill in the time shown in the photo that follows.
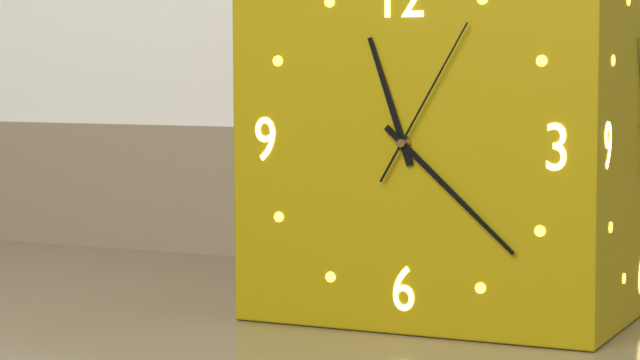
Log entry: 11:22:05
